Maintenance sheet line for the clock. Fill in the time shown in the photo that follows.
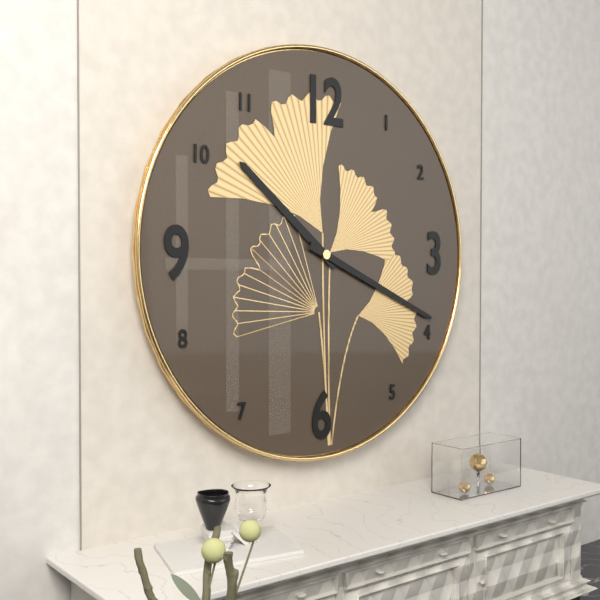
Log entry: 10:19
